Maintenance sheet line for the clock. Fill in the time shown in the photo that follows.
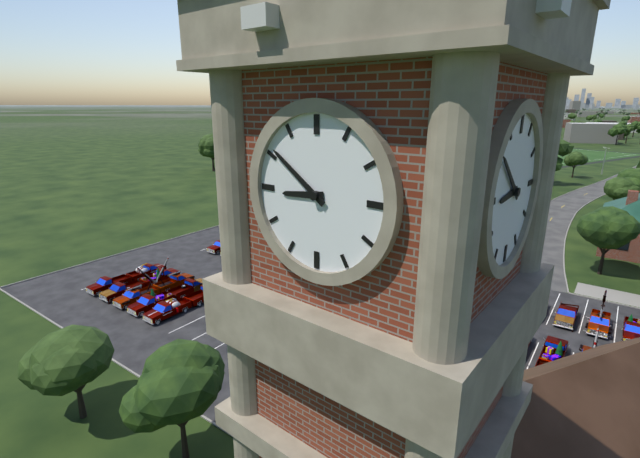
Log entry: 8:51
